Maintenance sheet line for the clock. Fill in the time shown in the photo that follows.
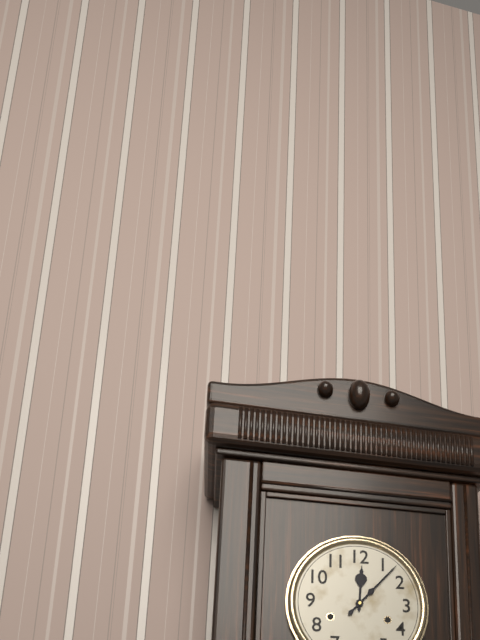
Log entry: 12:07
